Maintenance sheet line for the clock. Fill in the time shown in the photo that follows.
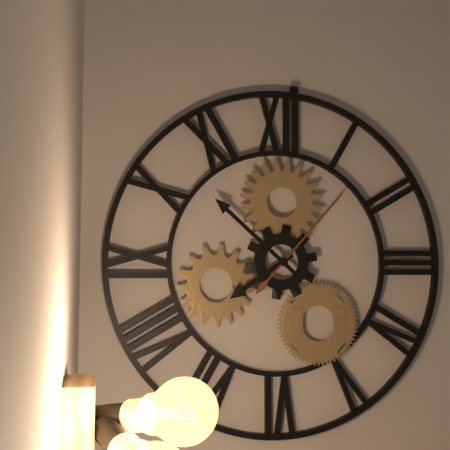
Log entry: 7:52:07
